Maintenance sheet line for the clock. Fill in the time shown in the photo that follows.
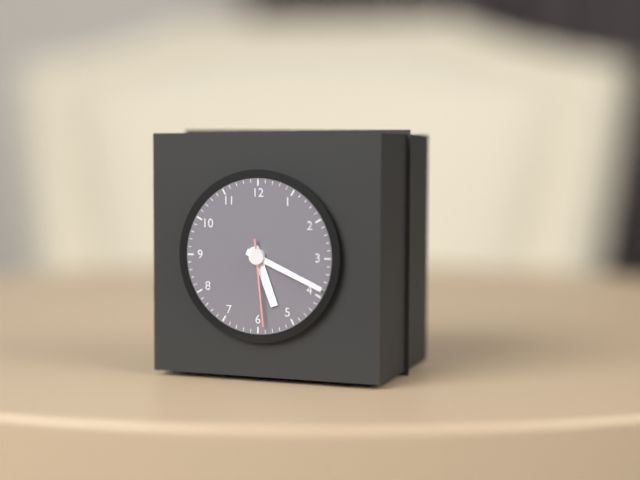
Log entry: 5:19:29
